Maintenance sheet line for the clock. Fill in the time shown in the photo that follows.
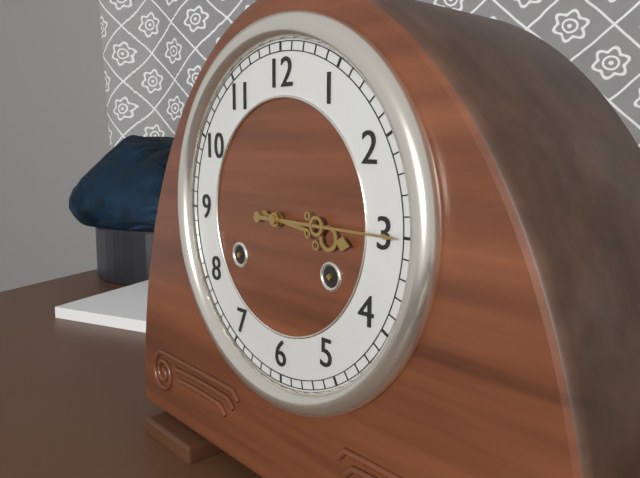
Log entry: 3:15
